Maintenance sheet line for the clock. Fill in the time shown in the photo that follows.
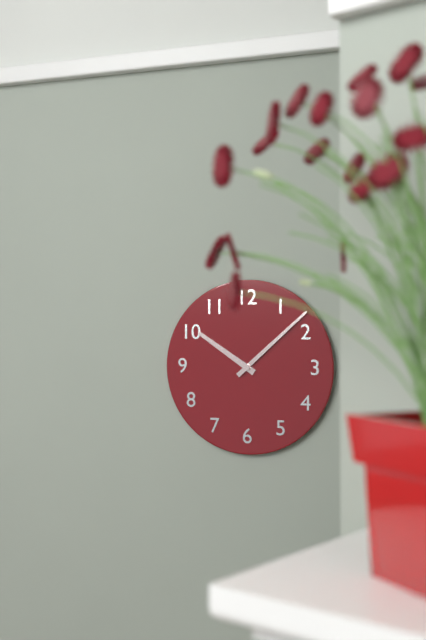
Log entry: 10:08
